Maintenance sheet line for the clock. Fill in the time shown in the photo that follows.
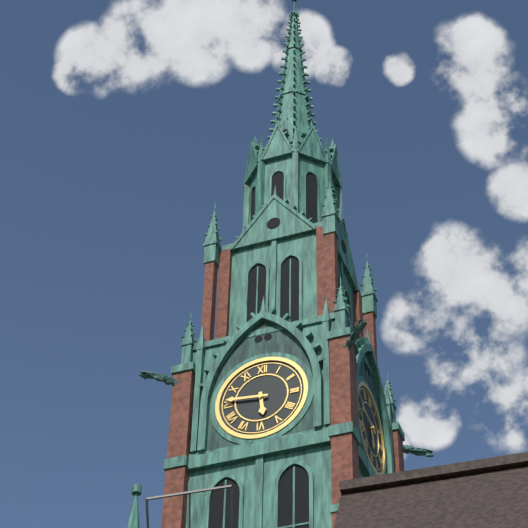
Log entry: 5:46
